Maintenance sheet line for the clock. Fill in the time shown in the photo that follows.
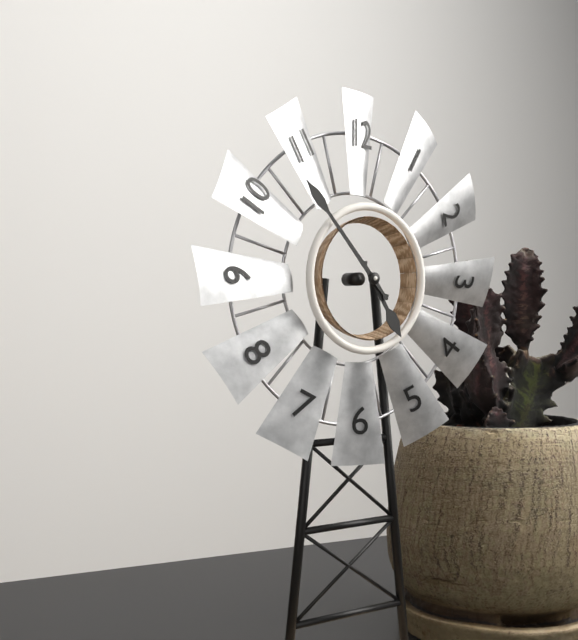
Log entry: 4:53
